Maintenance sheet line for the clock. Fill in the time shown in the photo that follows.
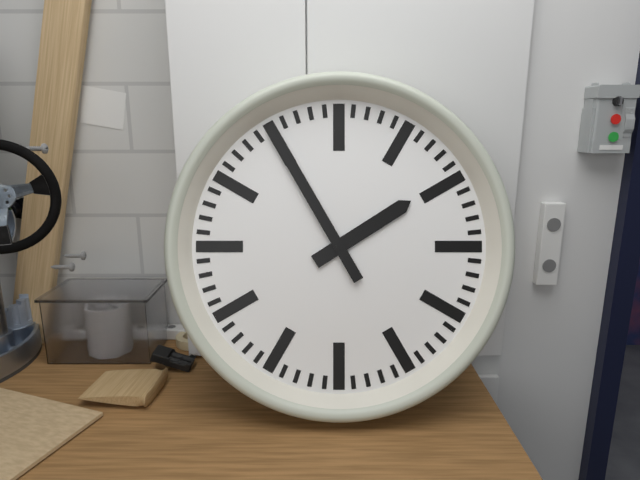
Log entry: 1:55
